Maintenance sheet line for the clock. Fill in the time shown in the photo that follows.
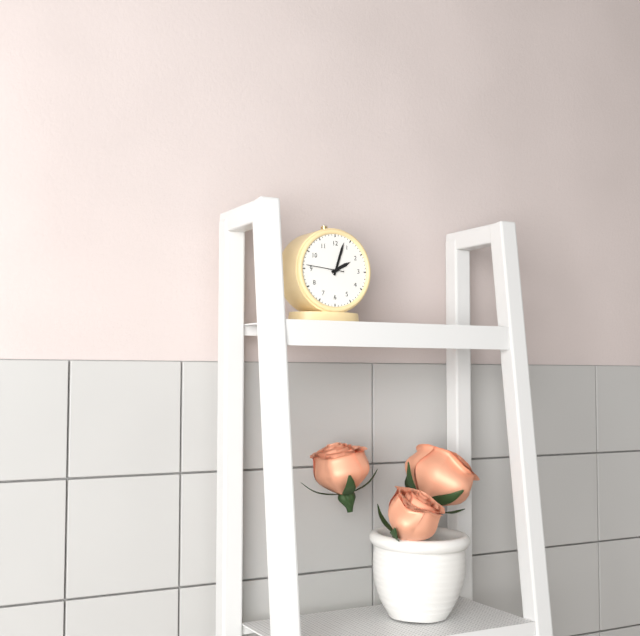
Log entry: 2:03
